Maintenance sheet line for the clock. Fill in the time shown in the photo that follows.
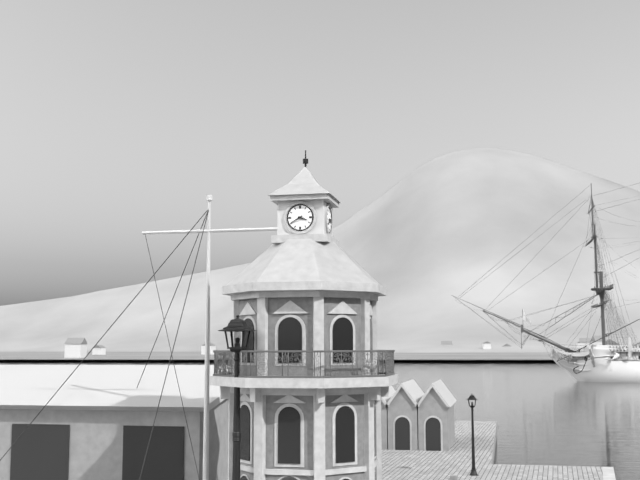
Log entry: 3:40
